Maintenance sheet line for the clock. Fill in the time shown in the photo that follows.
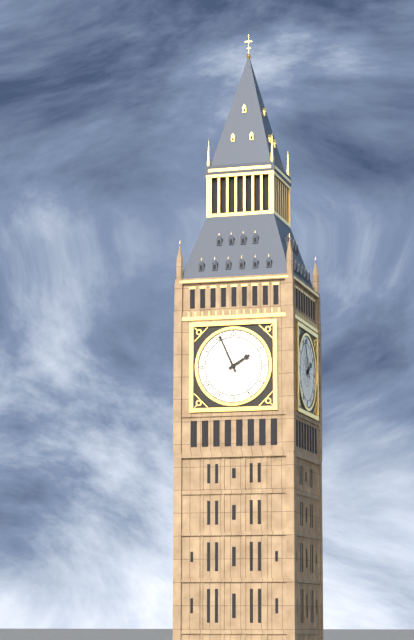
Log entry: 1:56
